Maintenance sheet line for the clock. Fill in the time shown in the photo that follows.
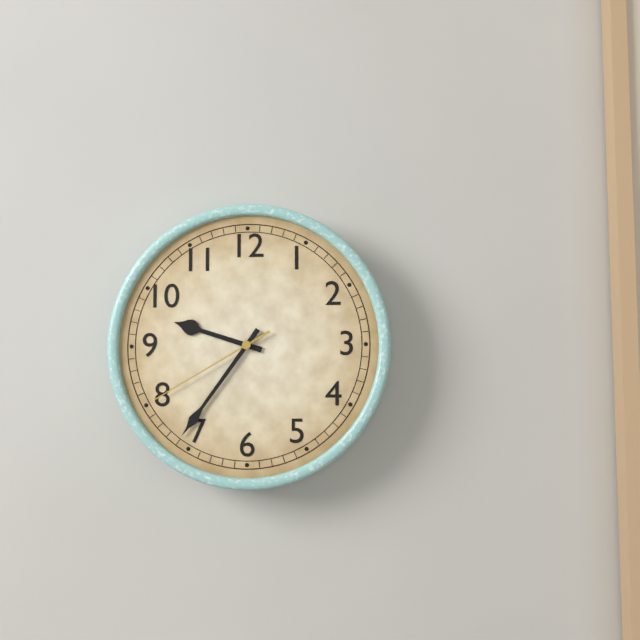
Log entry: 9:36:40
